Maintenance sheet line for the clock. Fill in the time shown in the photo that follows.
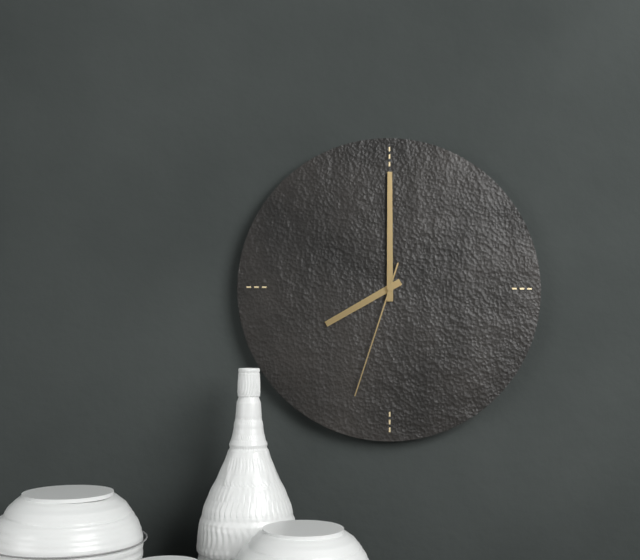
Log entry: 8:00:33
